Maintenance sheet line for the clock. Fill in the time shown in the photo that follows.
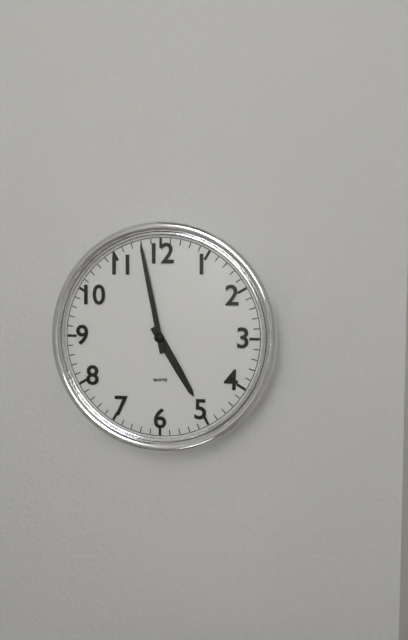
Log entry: 4:58
